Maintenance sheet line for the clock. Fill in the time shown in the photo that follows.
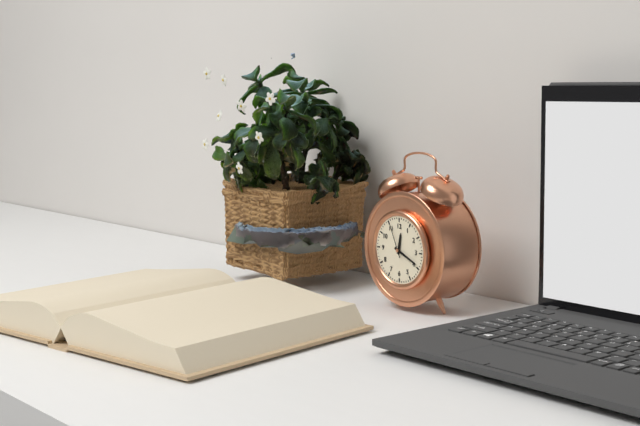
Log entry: 12:19
